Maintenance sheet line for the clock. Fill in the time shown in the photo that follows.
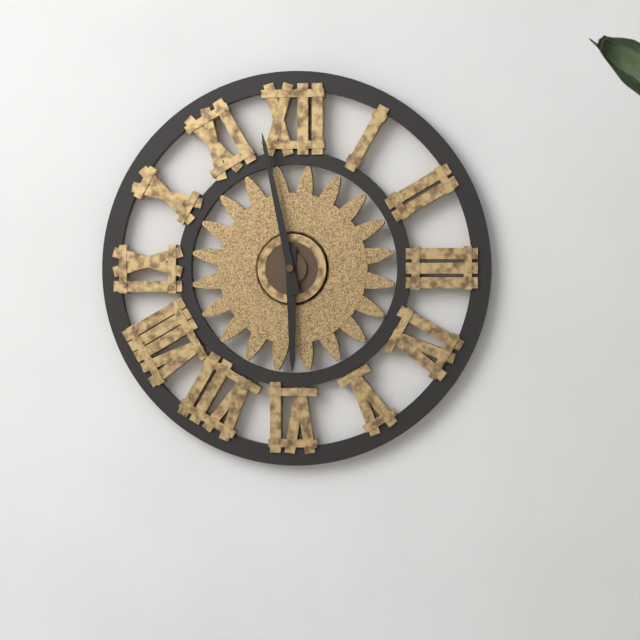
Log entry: 5:58
